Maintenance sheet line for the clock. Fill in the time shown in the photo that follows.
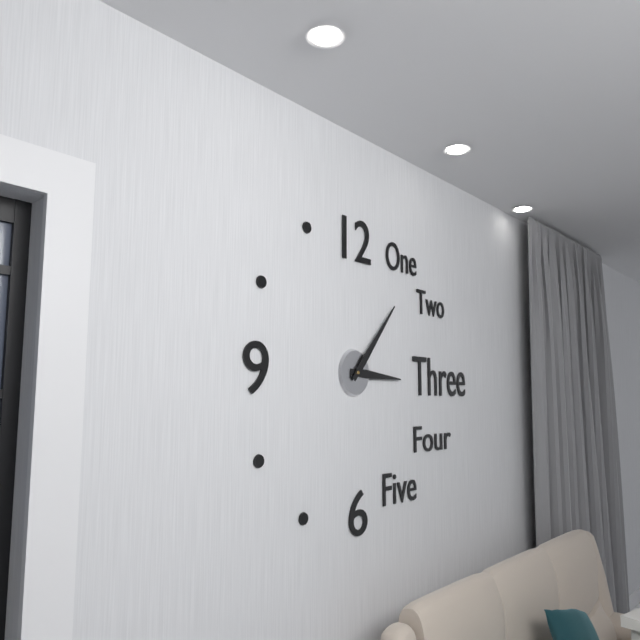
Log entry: 3:07
